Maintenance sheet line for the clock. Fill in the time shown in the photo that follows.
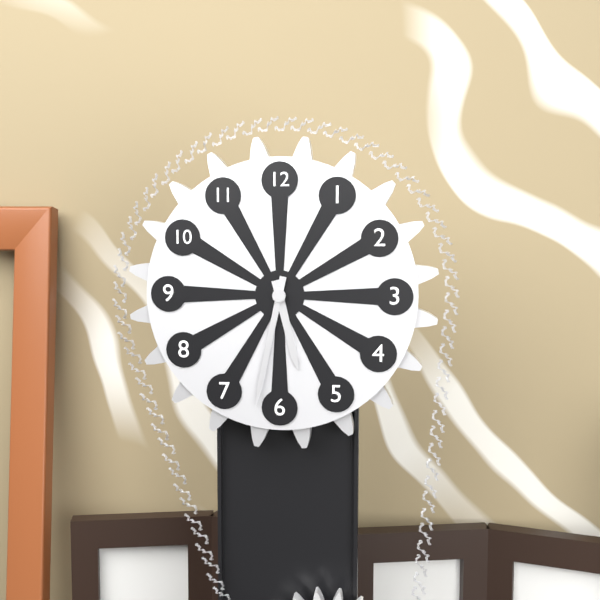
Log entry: 5:32
